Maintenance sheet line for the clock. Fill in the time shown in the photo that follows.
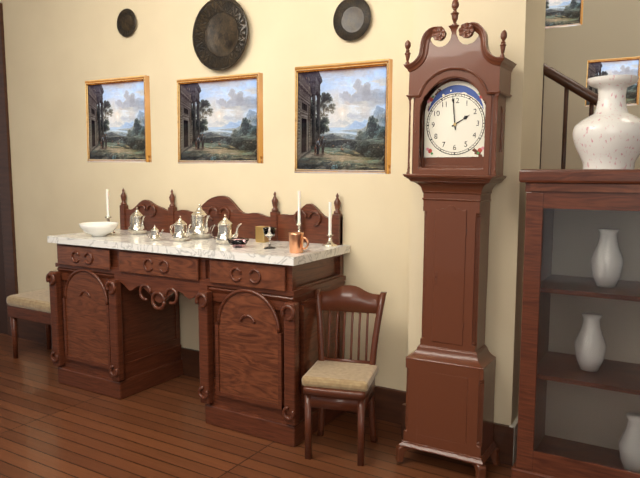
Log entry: 1:59
